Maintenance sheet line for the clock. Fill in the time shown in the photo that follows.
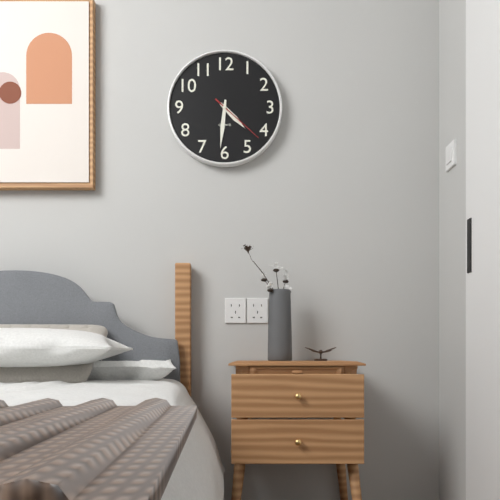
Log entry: 4:31:22
